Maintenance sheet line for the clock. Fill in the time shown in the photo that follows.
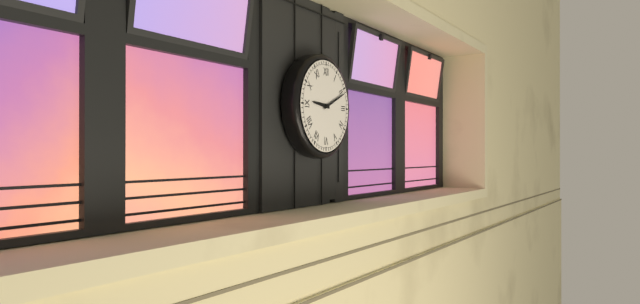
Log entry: 9:11
